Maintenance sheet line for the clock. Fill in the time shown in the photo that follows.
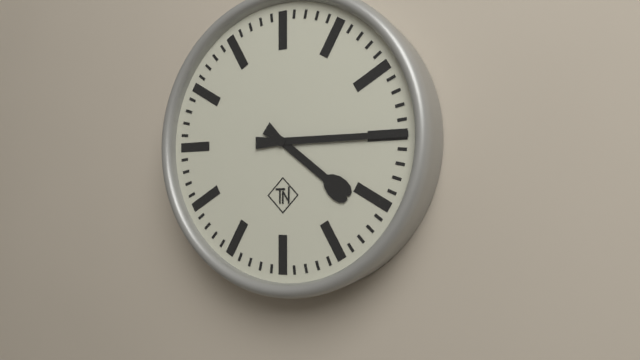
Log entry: 4:15
